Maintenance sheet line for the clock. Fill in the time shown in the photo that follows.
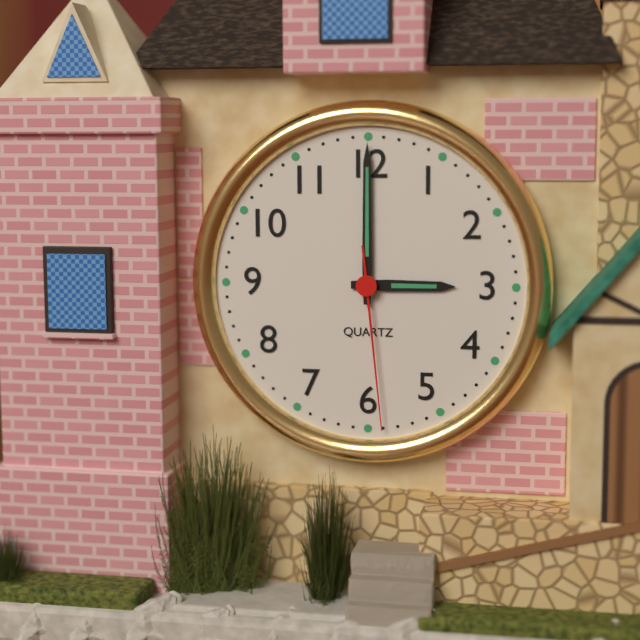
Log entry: 3:00:29
